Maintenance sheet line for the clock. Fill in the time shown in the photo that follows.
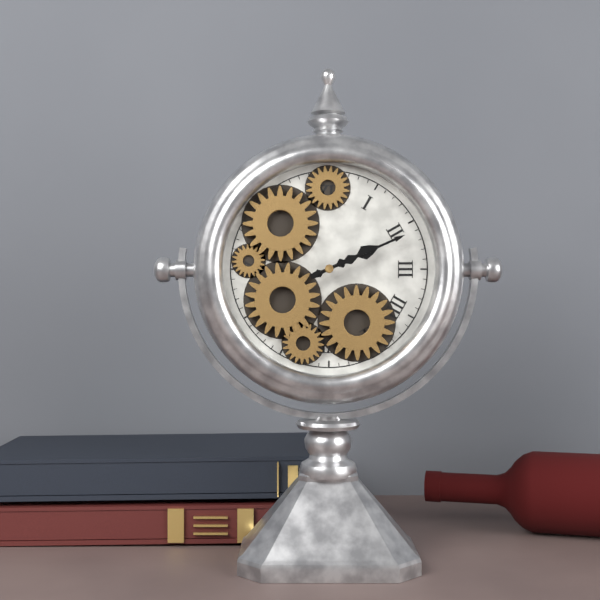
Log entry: 2:11
